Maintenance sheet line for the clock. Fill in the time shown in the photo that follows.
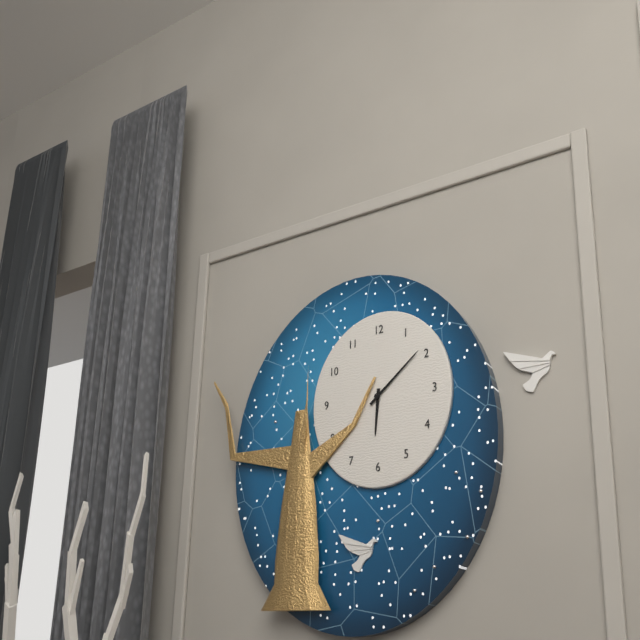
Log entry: 6:08
